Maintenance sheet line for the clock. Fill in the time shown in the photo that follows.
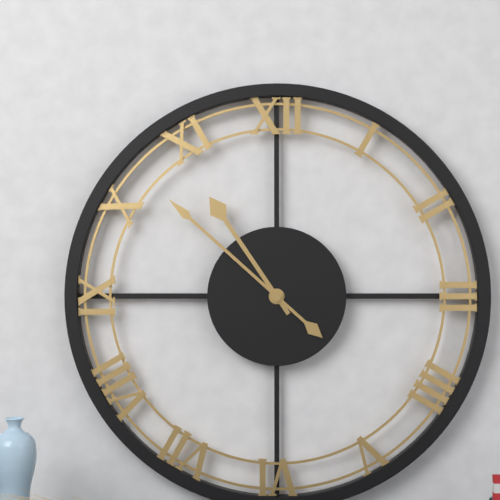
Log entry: 10:52
